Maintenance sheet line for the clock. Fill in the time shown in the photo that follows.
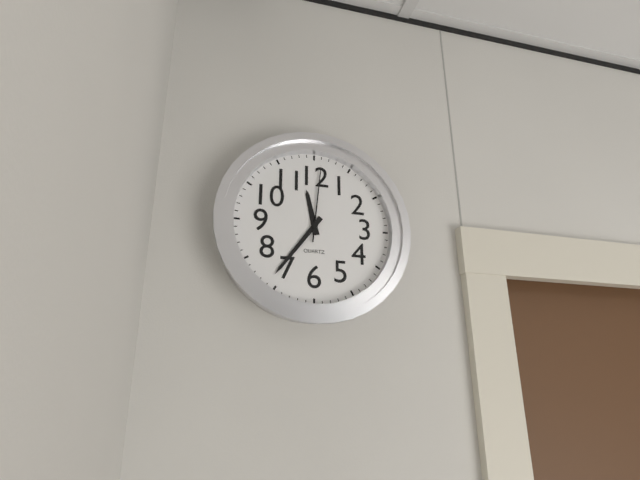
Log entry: 11:36:01
